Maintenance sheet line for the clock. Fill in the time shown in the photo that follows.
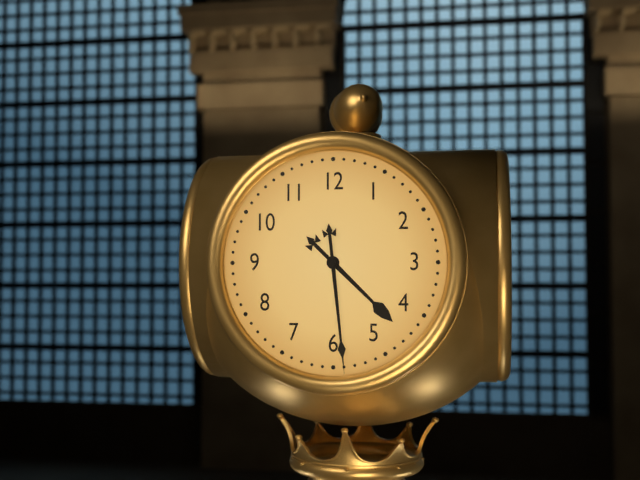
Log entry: 4:29
